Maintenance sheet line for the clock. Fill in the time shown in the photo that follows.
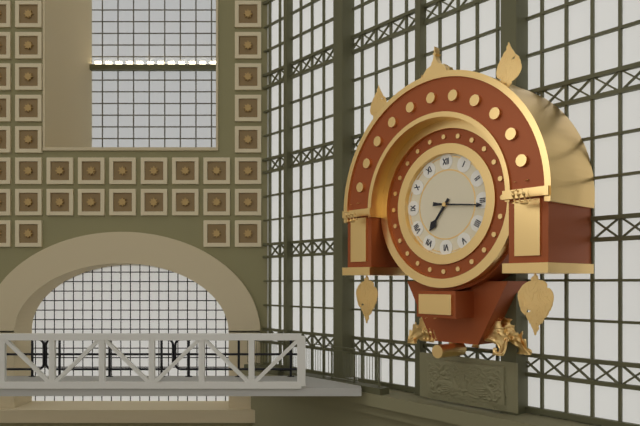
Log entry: 7:16
